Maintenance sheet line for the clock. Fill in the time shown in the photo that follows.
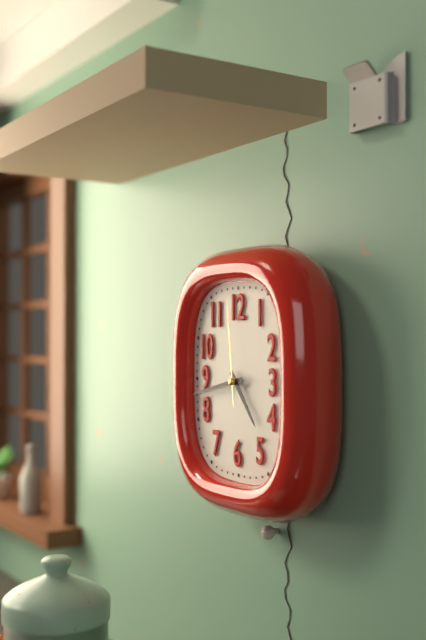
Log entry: 4:43:59
